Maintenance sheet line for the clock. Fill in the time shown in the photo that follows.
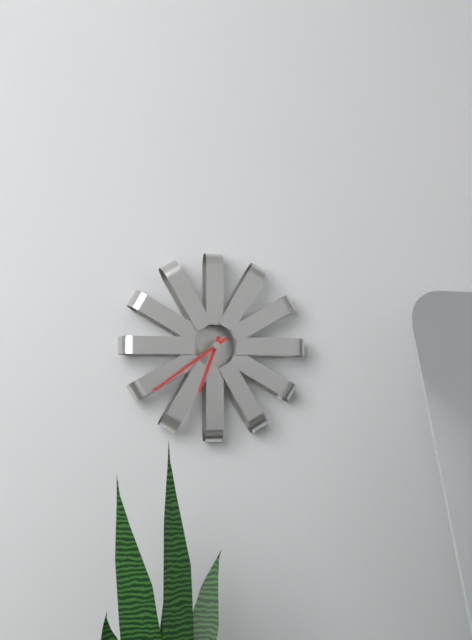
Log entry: 6:39
